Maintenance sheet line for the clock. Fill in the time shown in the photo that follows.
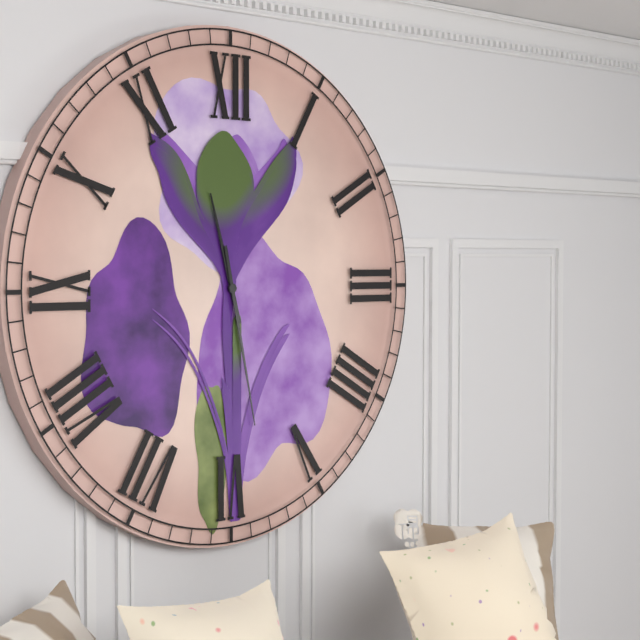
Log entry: 11:28
